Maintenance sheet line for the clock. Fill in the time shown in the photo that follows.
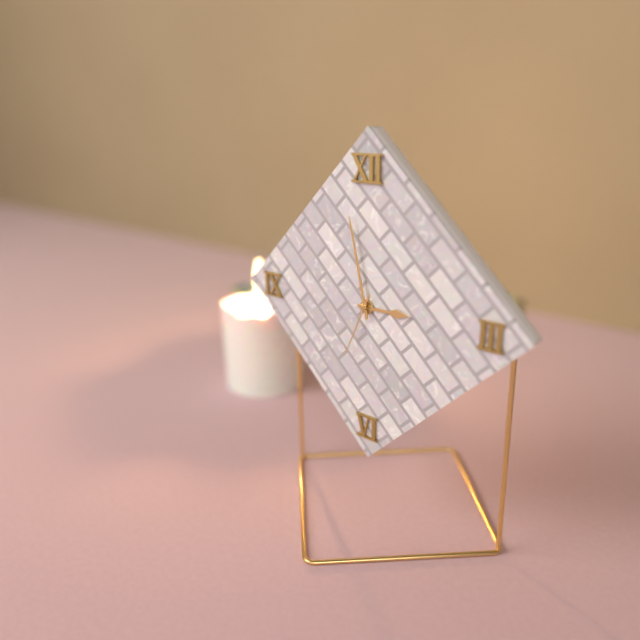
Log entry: 2:58:34
